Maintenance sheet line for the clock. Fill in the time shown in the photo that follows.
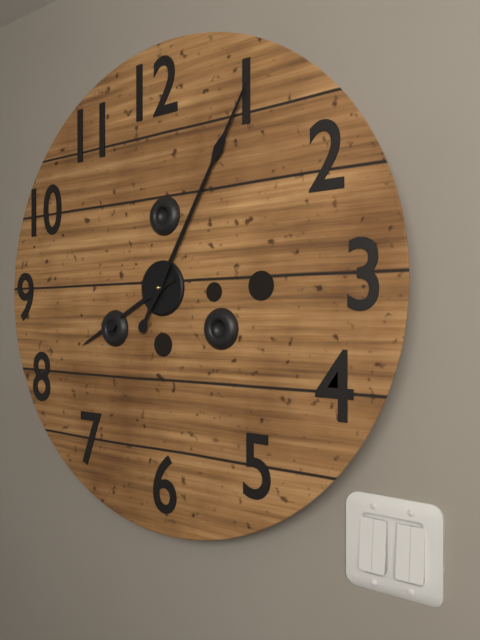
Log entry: 8:05
